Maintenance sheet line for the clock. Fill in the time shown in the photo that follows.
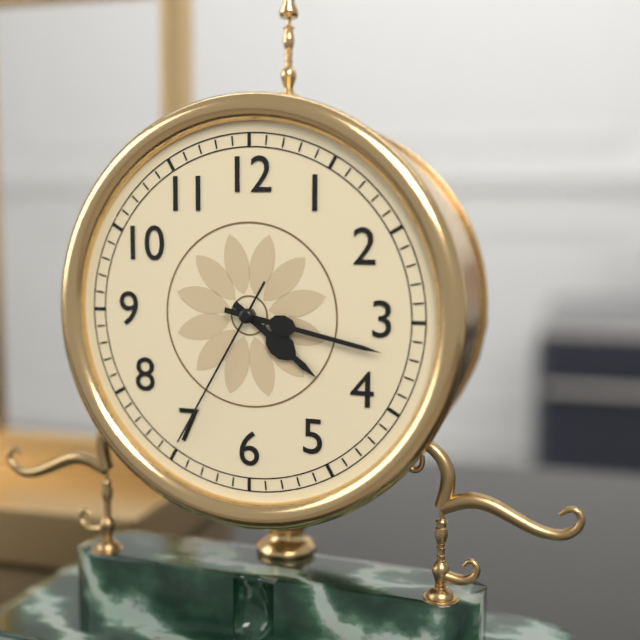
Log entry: 4:17:35
